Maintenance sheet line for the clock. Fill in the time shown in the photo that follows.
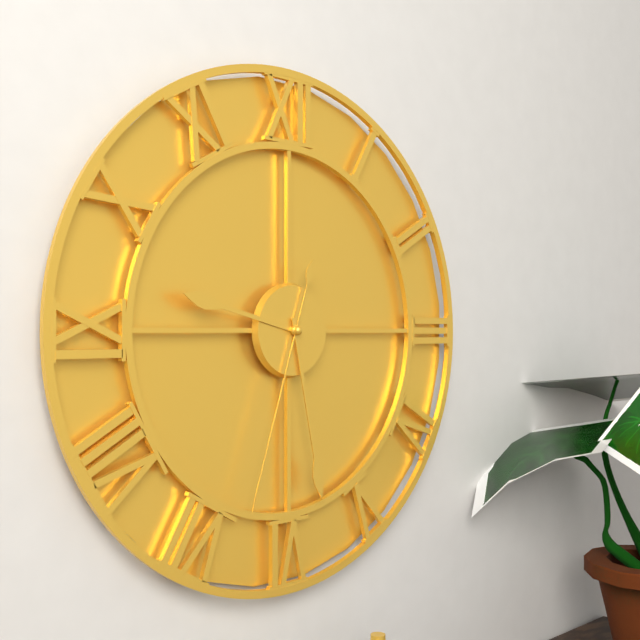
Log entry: 9:28:33
